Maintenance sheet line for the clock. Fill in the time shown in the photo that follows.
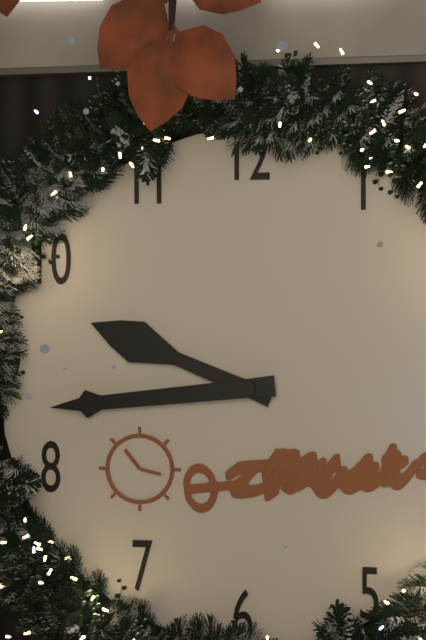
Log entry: 9:44
